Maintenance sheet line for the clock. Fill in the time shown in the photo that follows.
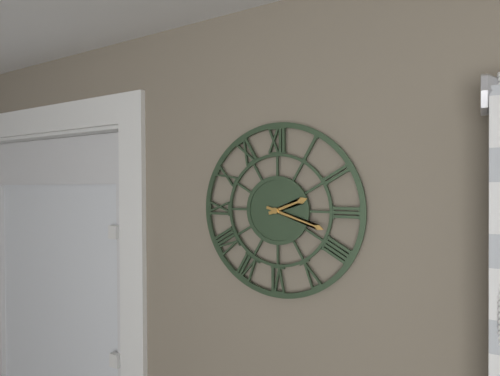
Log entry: 2:18
